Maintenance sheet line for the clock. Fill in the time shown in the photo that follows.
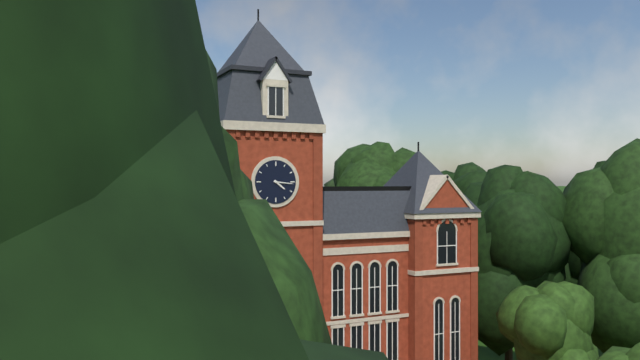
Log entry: 4:16
